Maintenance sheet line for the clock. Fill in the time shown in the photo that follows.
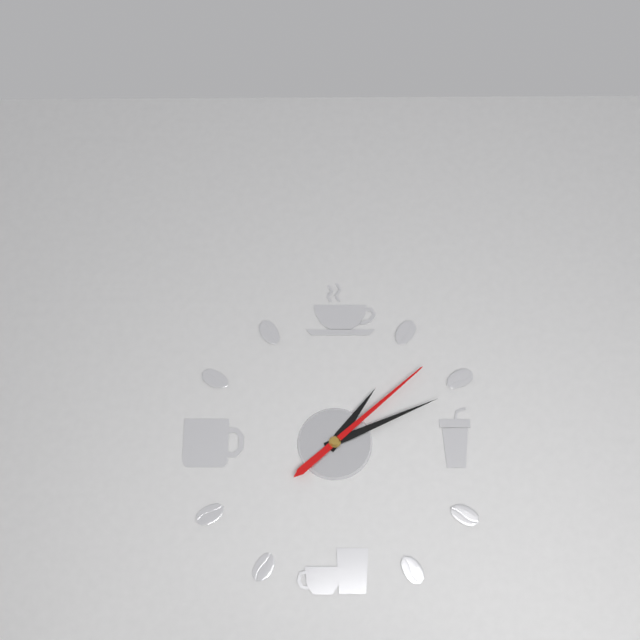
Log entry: 1:11:08
